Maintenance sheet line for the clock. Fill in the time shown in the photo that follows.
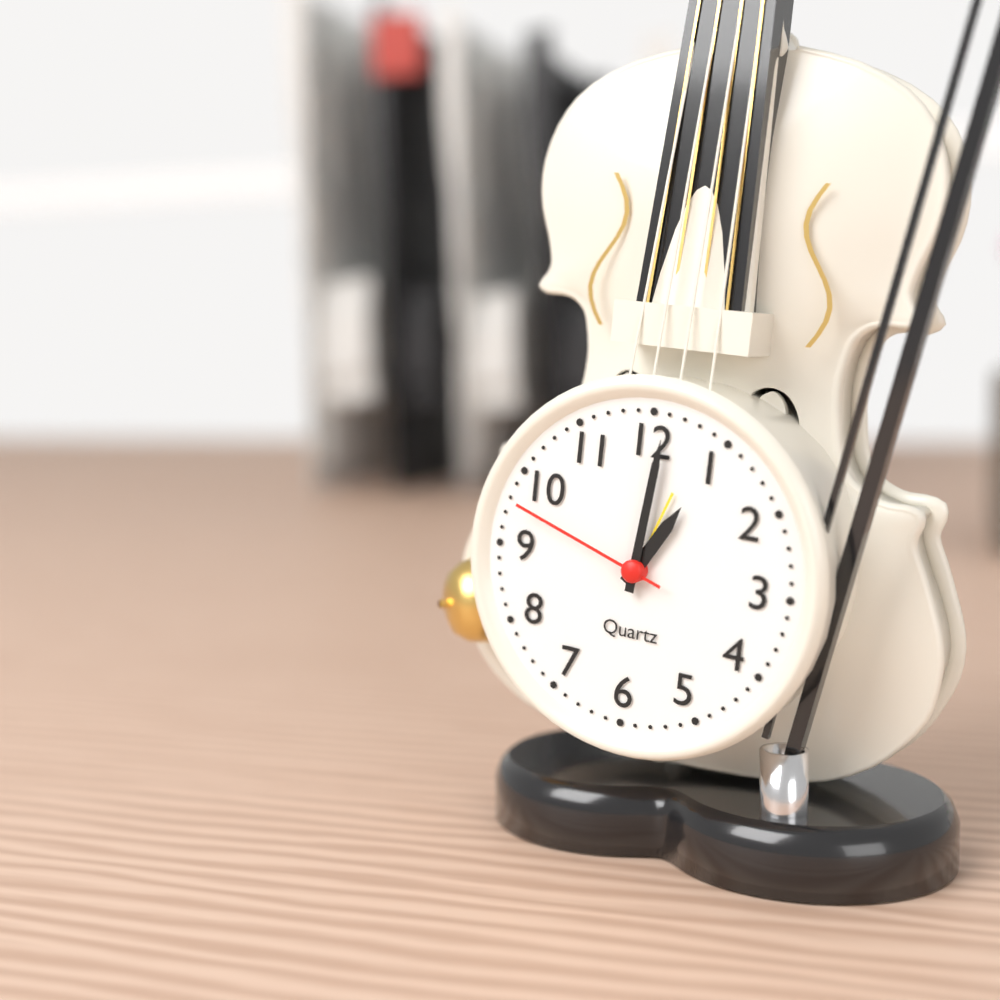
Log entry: 1:01:48
